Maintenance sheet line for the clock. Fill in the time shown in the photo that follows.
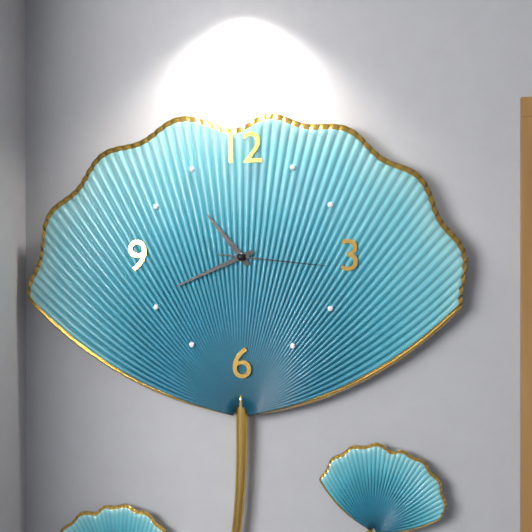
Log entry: 10:41:16
